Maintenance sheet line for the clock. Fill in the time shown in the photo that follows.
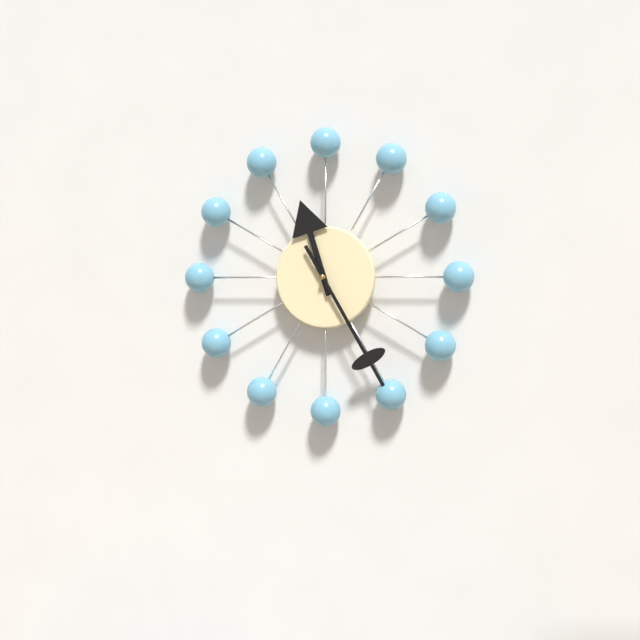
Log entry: 11:25
